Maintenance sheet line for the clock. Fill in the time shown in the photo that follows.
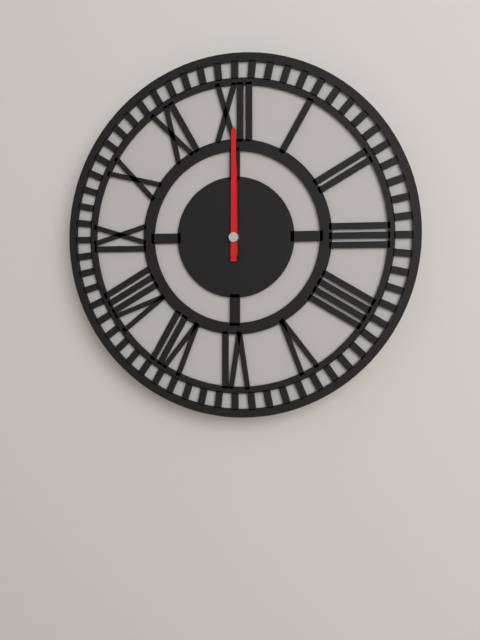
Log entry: 12:00
